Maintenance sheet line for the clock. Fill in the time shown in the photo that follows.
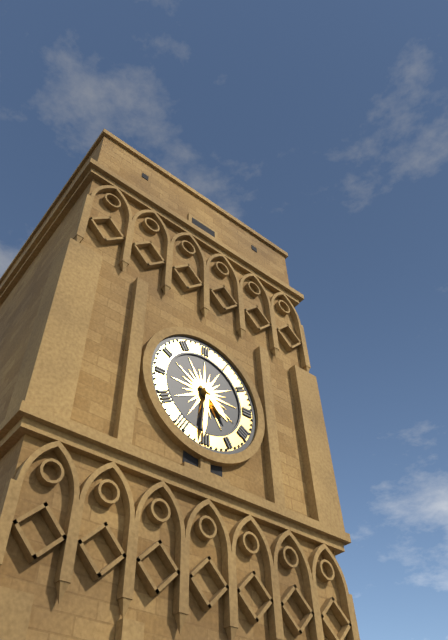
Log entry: 4:31
